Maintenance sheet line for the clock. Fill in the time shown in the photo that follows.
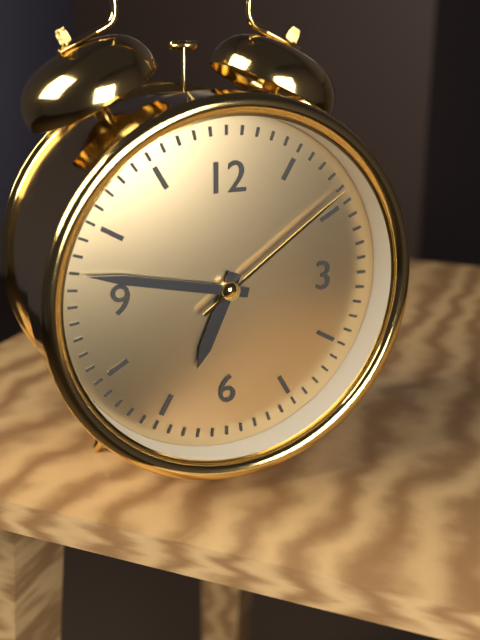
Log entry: 6:47:09
